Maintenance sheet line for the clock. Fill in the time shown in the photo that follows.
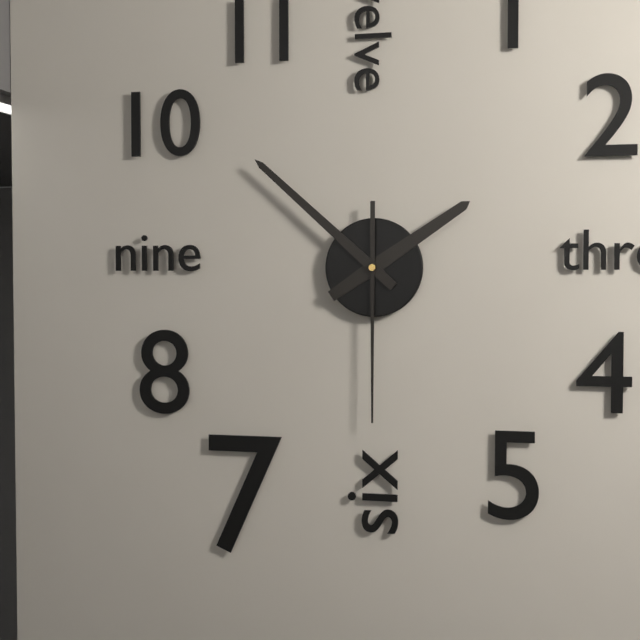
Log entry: 1:52:30
